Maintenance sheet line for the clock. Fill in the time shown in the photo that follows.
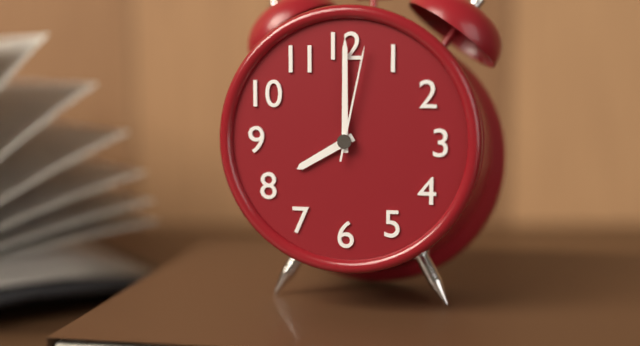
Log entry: 8:00:02
